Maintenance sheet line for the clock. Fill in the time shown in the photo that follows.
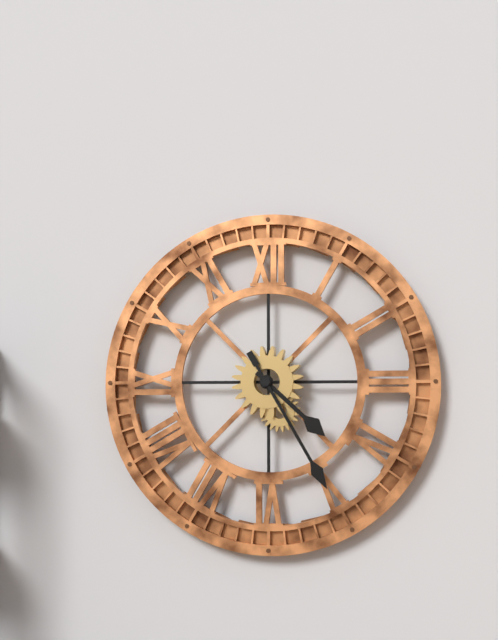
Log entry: 4:25
